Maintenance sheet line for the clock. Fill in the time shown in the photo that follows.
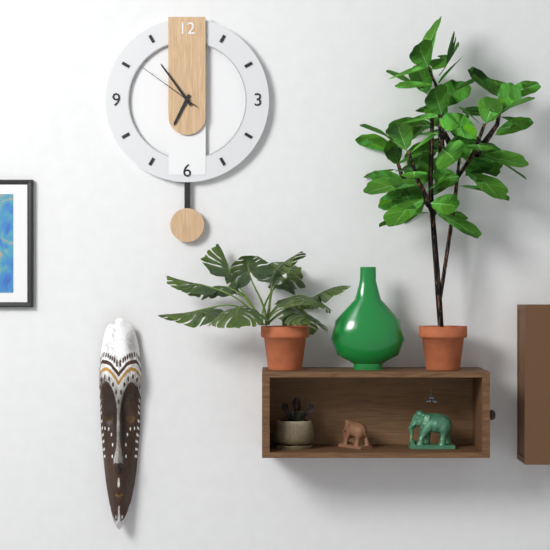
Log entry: 6:54:51
